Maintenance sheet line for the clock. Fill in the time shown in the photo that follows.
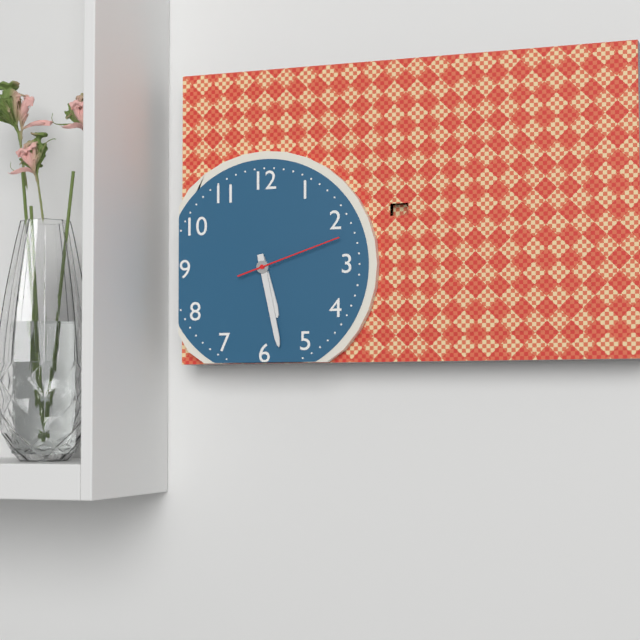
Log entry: 5:28:12
